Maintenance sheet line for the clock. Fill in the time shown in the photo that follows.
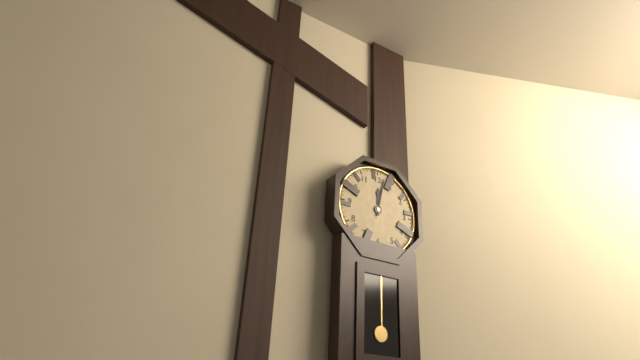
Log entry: 12:02
